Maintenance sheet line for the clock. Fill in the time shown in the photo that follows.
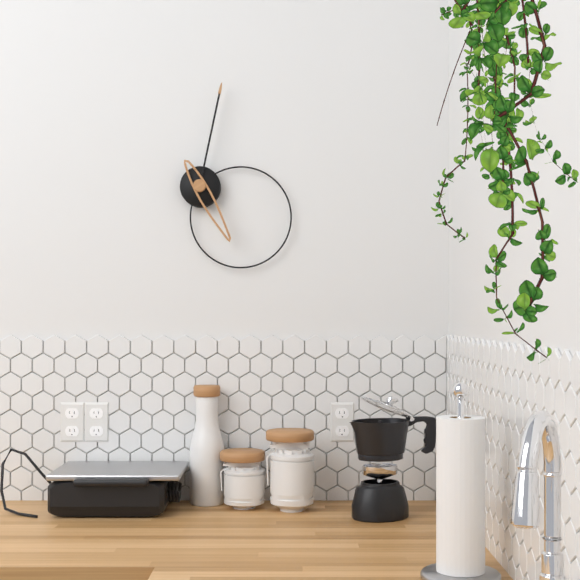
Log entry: 5:02
